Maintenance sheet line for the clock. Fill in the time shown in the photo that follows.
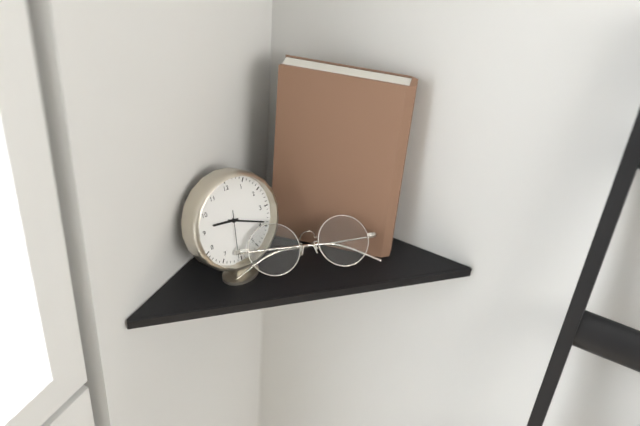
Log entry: 9:19
